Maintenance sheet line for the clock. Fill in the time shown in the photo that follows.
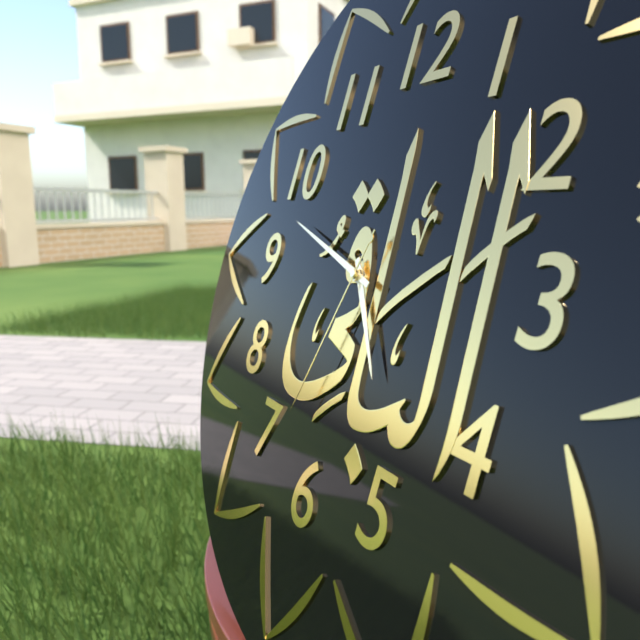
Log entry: 4:48:33
